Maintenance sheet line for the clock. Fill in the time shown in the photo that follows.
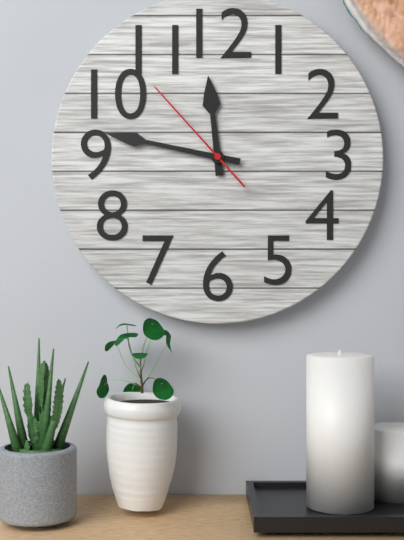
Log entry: 11:47:53
